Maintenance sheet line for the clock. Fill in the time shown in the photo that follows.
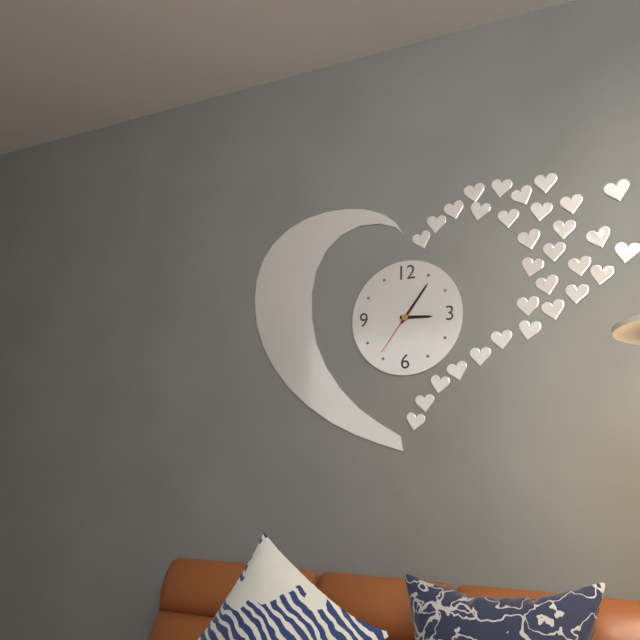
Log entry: 3:06:36
